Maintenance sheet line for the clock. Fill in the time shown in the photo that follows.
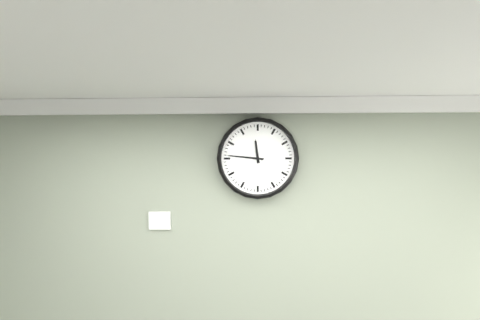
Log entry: 11:46
